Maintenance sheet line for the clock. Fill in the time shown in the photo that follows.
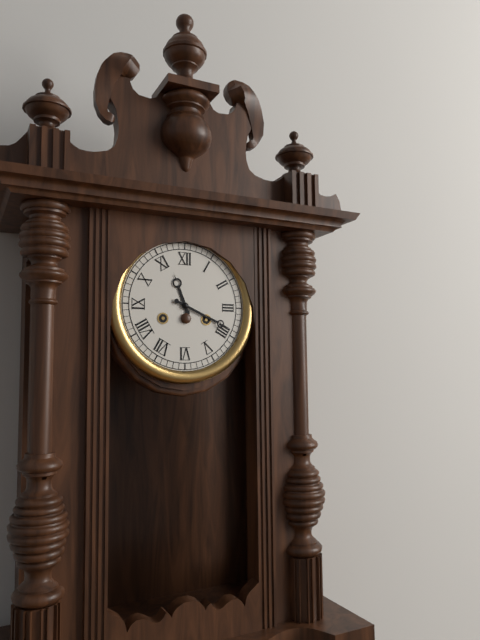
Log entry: 11:19
